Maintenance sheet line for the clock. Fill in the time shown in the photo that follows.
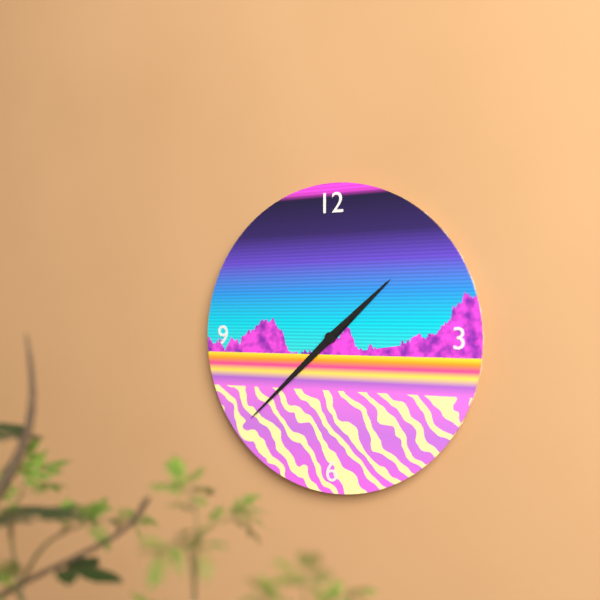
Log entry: 1:38
